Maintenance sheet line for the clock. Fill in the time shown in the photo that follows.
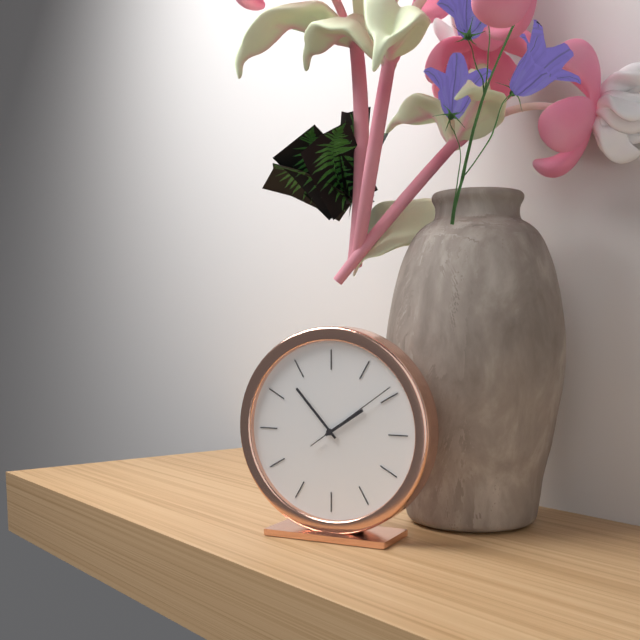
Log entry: 1:53:09
